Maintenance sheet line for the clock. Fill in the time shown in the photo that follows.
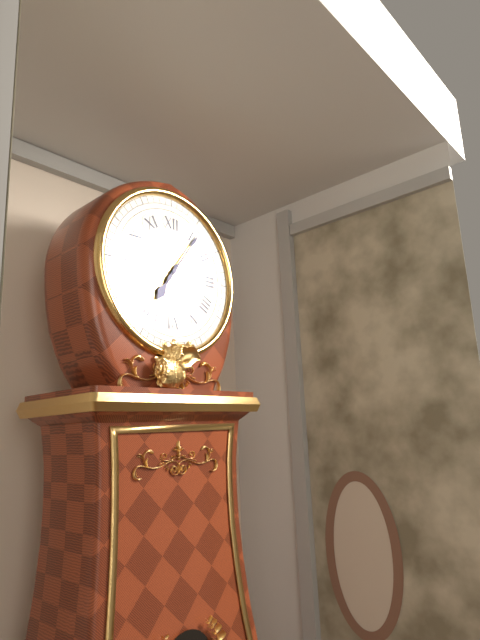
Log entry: 7:06
